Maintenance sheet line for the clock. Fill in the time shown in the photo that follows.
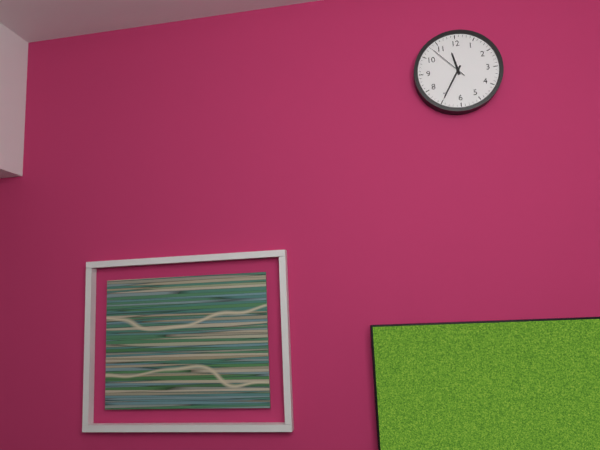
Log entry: 11:35
